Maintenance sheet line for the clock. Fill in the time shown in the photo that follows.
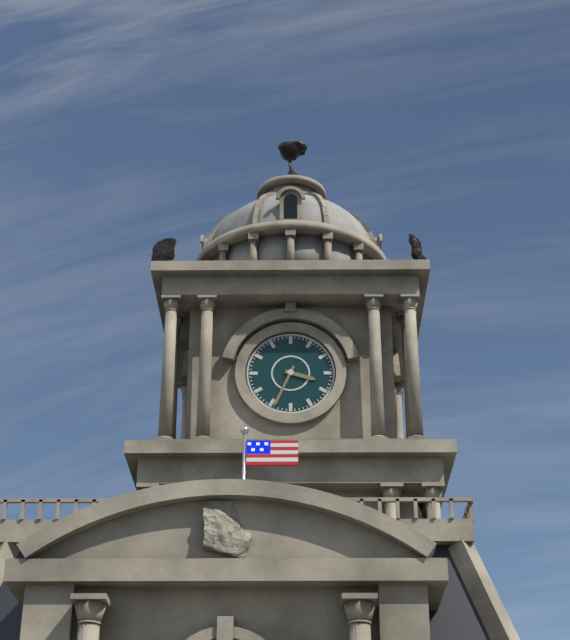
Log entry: 3:34
